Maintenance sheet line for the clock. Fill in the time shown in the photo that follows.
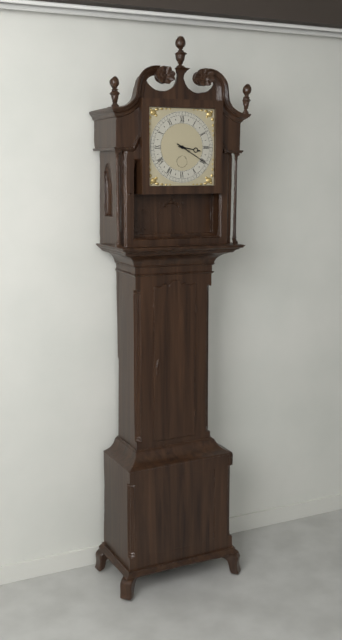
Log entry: 3:20
